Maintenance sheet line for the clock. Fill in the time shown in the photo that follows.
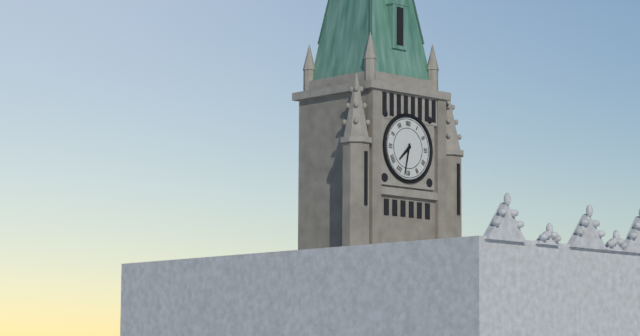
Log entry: 7:32
